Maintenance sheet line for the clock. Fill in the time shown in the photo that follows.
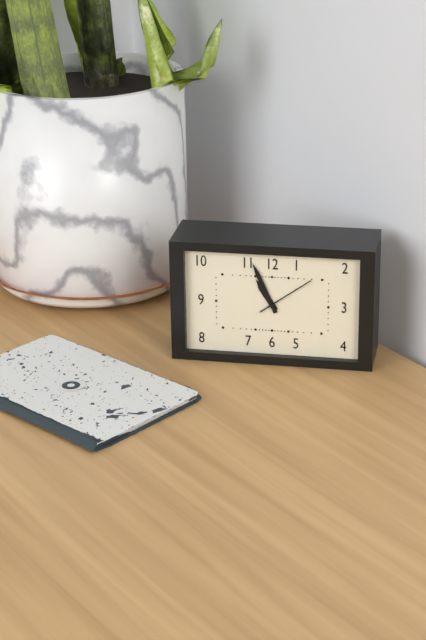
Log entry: 10:56:09
